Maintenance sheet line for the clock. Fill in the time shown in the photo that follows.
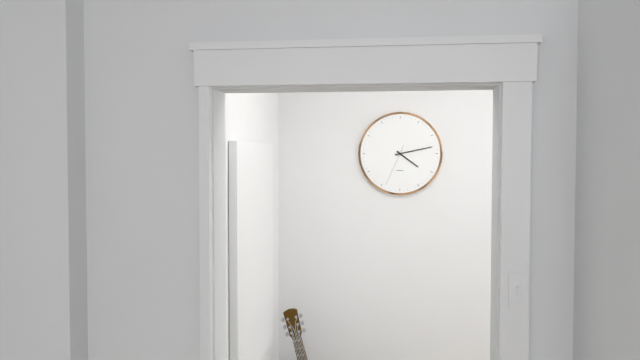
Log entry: 4:13
